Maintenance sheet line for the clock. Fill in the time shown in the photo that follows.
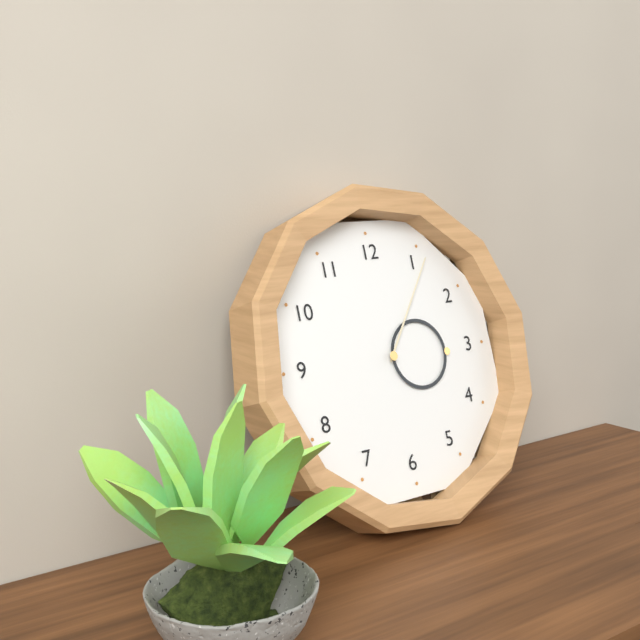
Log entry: 3:06
